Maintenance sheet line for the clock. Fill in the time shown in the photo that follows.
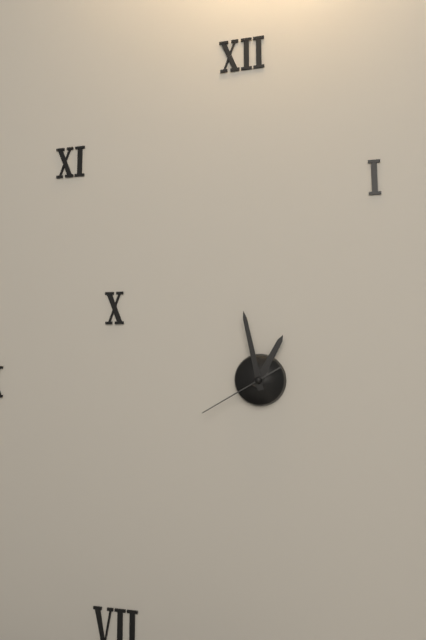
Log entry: 12:58:40
